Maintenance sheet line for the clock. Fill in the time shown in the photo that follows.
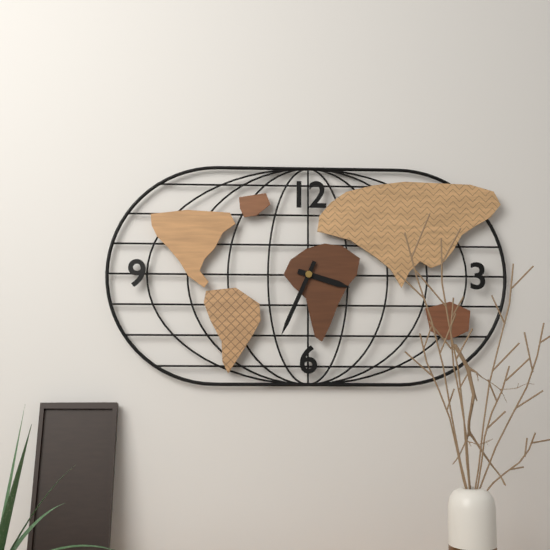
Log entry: 3:34
